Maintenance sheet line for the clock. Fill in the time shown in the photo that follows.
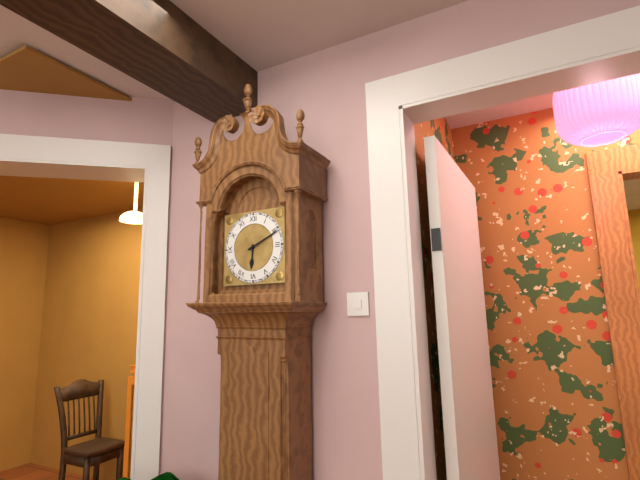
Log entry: 6:11
